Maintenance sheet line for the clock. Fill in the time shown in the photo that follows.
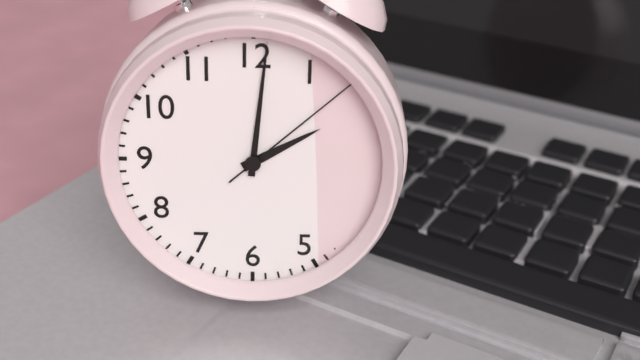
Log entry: 2:01:08
